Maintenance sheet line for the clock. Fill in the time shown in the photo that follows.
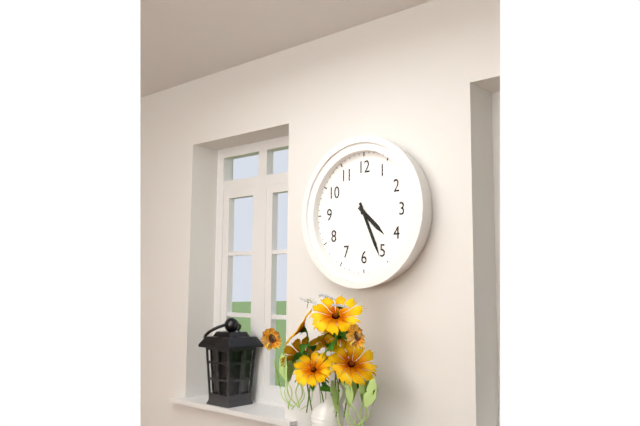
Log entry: 4:26
